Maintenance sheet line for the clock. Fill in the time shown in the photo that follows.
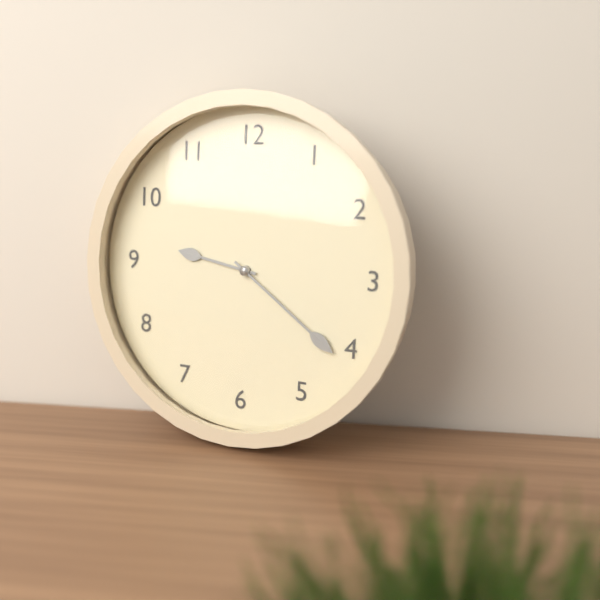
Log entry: 9:21
